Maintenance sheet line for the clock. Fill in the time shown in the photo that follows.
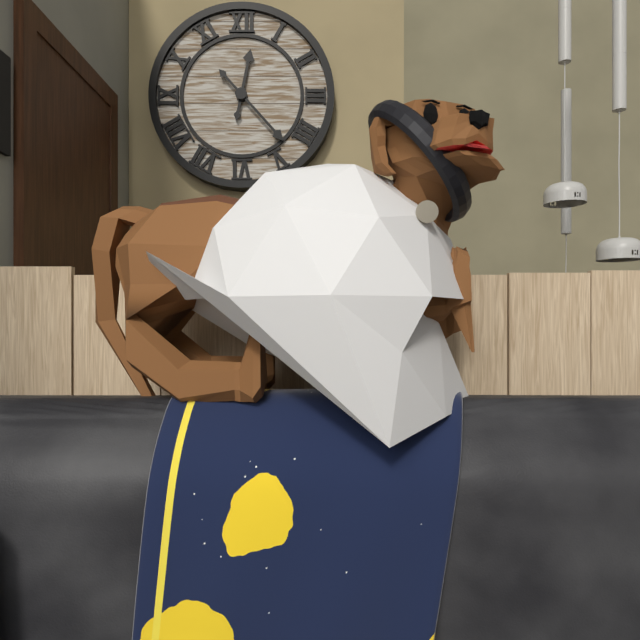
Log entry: 12:23
